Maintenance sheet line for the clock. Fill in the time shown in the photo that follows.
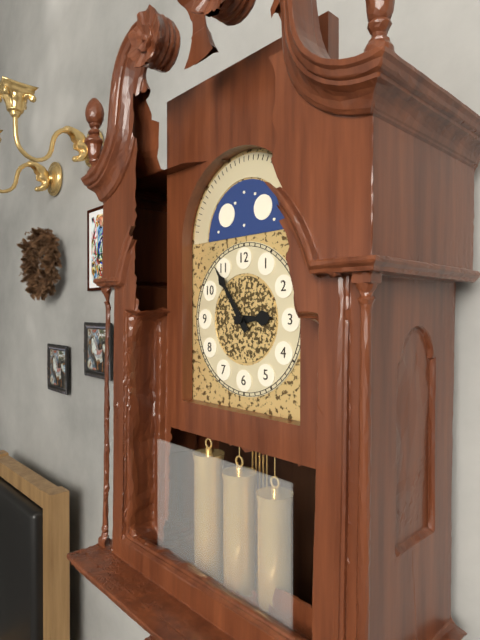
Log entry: 2:54
